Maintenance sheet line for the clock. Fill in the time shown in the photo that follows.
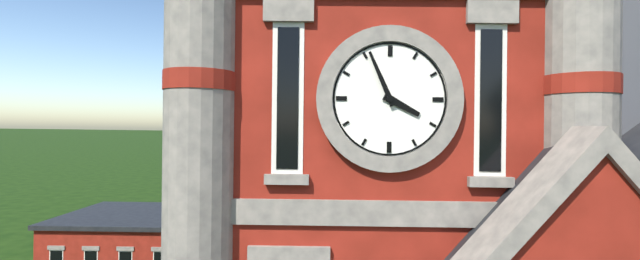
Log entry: 3:56
